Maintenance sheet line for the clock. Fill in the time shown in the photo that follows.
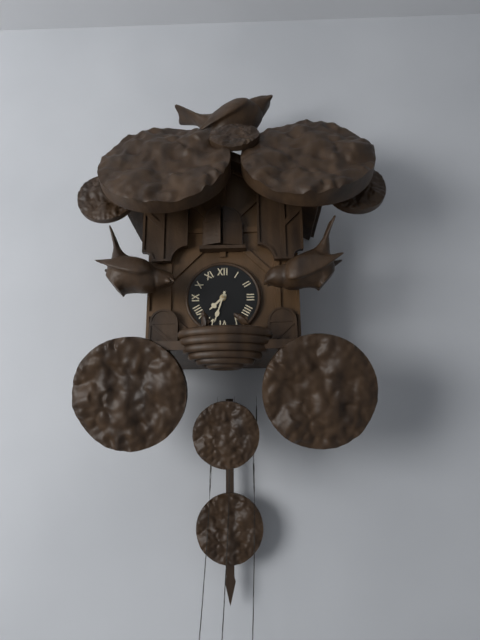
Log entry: 7:33
